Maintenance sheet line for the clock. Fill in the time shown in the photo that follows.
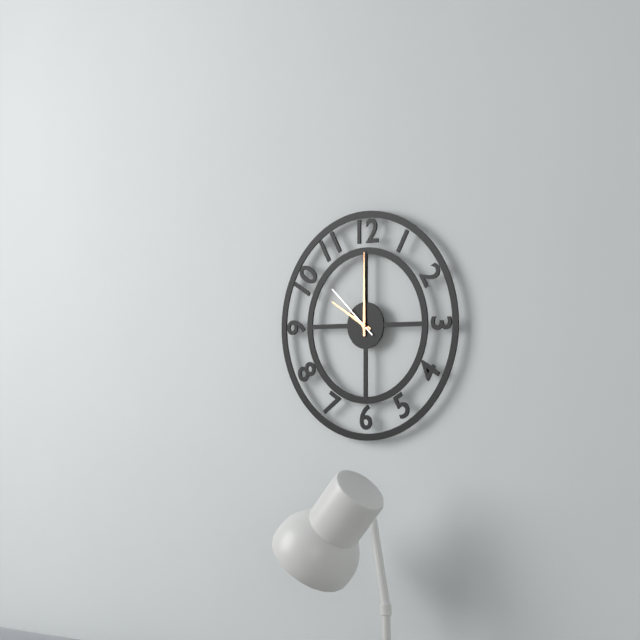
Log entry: 10:00:52
